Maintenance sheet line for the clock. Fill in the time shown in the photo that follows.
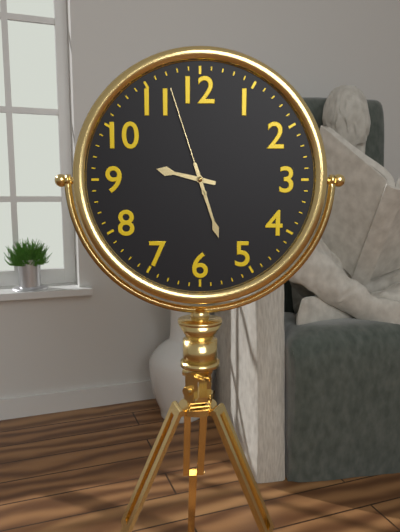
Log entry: 9:27:57
